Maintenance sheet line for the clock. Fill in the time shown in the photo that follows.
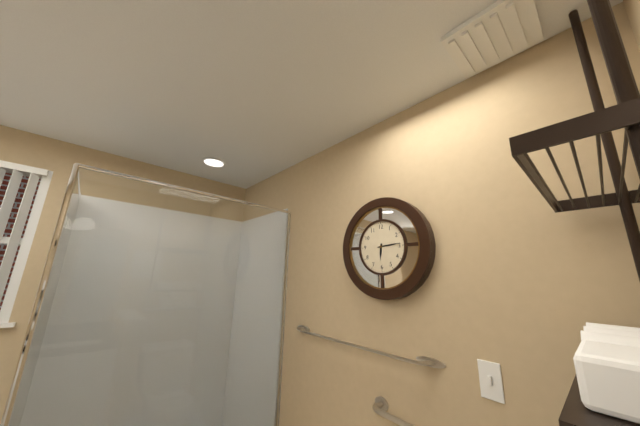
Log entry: 6:14
